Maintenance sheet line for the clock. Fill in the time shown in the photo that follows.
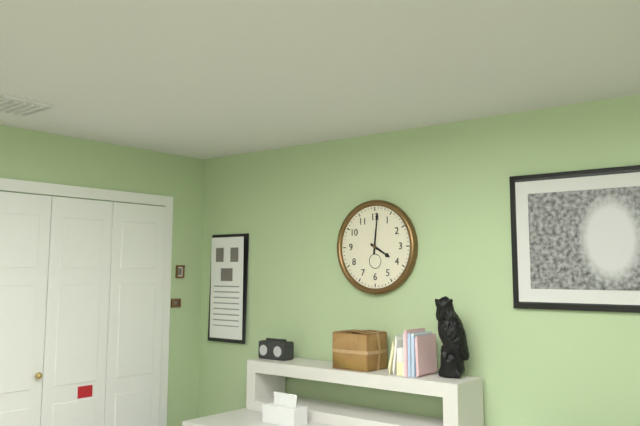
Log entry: 4:01
